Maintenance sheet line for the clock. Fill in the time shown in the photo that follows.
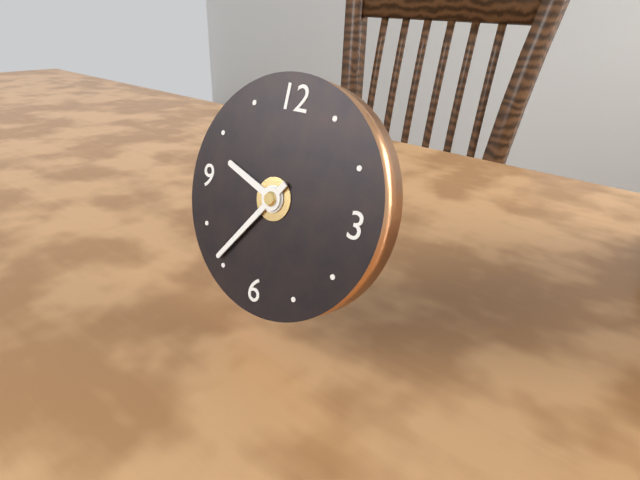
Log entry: 9:36
